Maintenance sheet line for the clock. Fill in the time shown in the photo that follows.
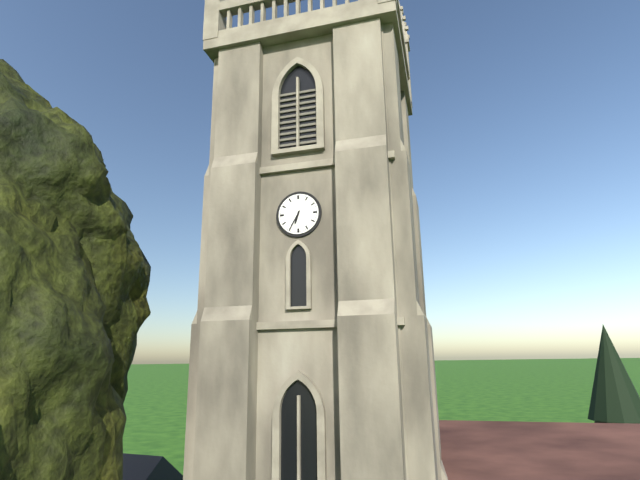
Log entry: 6:35
